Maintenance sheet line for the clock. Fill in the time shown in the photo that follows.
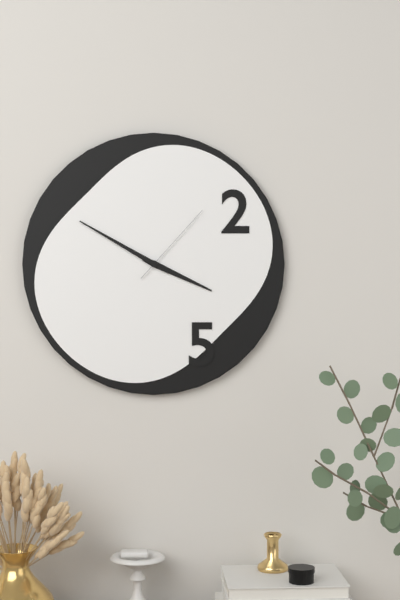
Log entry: 3:50:07
